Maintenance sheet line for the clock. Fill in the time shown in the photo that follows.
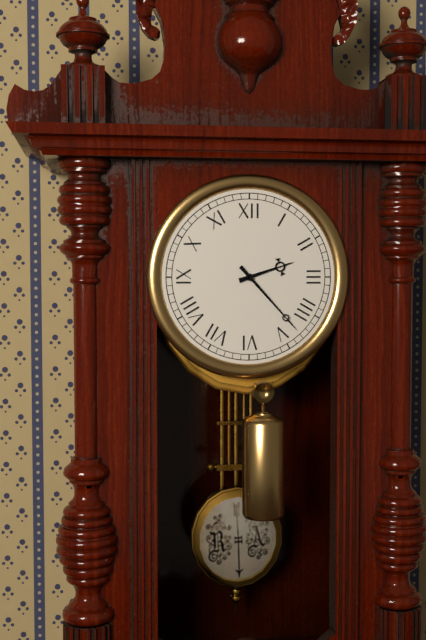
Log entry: 2:23
